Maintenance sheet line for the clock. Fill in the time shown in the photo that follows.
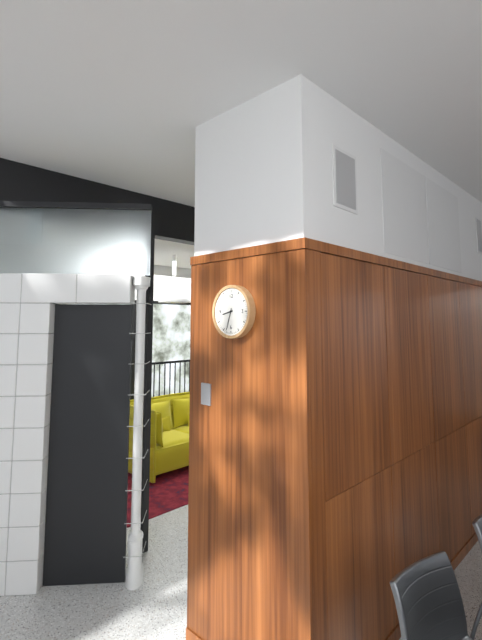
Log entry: 8:33
